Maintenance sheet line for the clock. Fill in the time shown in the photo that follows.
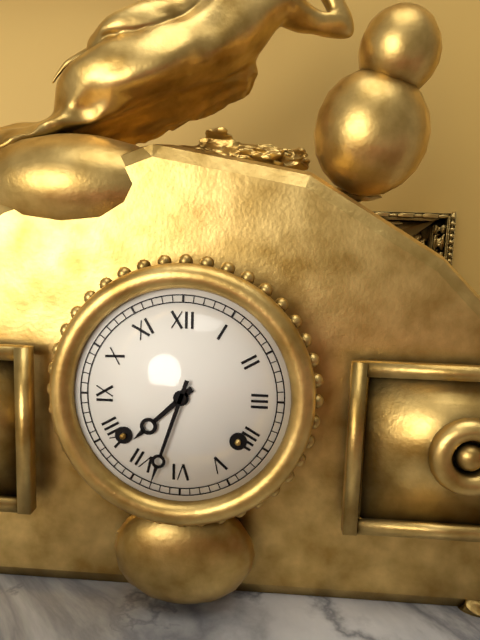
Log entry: 7:33
